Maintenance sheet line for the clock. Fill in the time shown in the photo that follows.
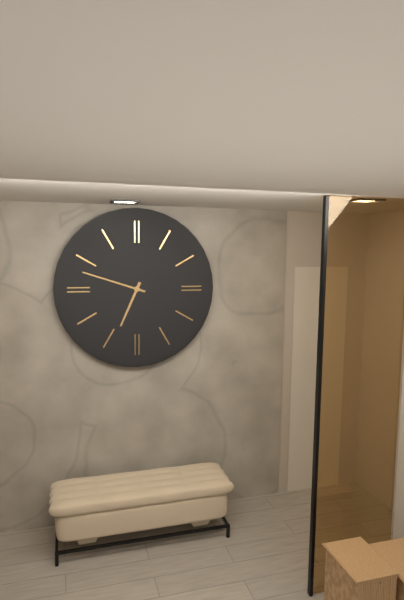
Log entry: 6:48
